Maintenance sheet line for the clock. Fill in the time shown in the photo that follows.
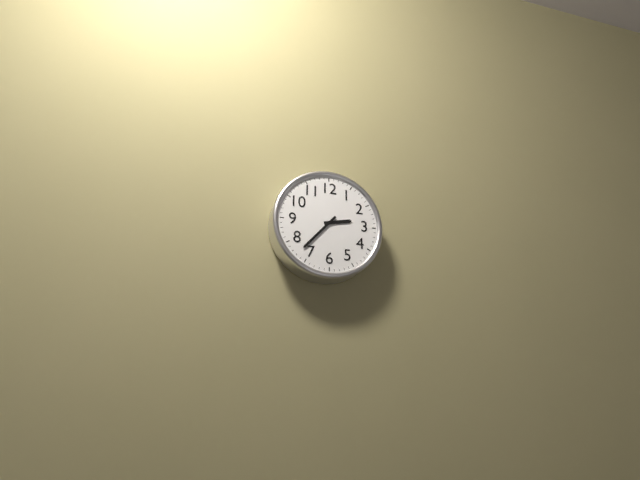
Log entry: 2:37
